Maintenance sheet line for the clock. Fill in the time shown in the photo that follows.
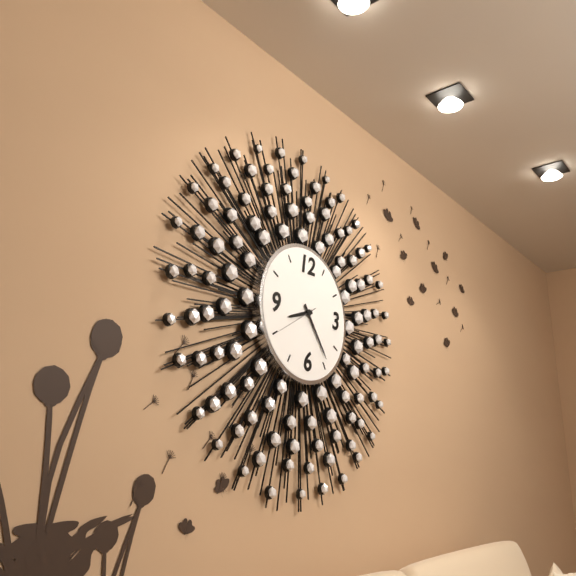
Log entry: 8:24
